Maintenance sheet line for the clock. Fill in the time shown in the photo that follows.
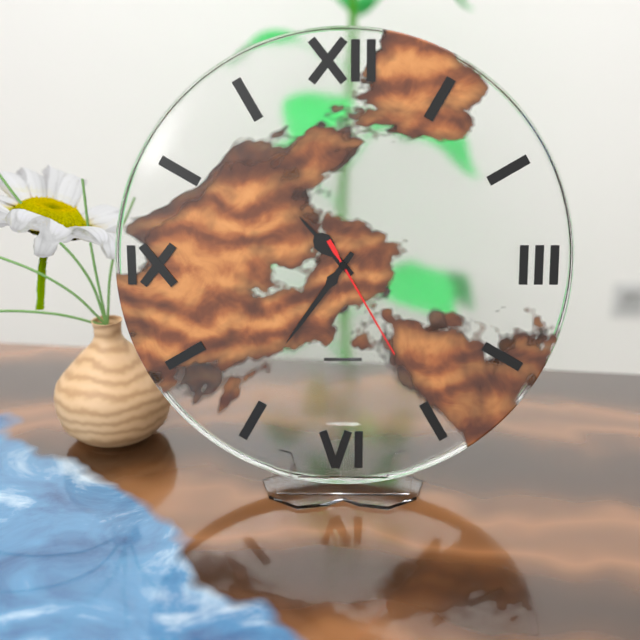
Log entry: 10:36:25
